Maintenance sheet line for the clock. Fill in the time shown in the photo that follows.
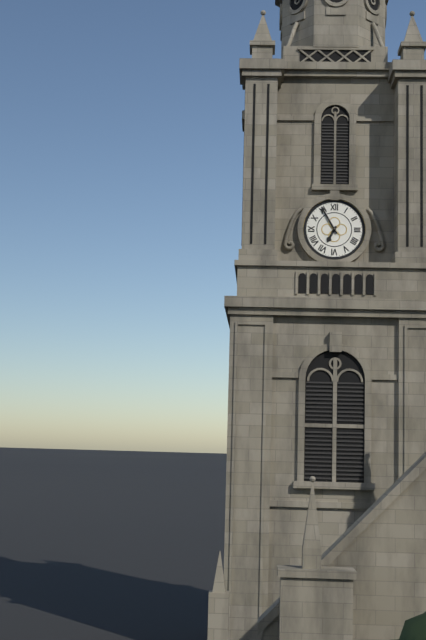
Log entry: 6:55
